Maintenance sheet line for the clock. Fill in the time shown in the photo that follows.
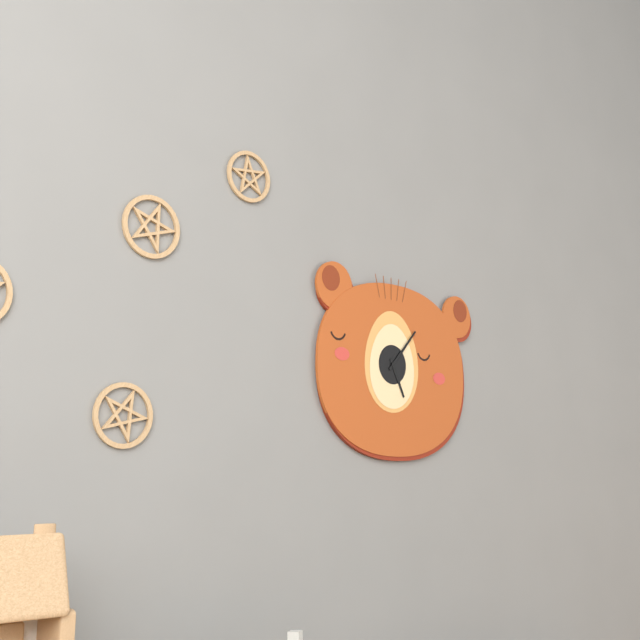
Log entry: 5:07
